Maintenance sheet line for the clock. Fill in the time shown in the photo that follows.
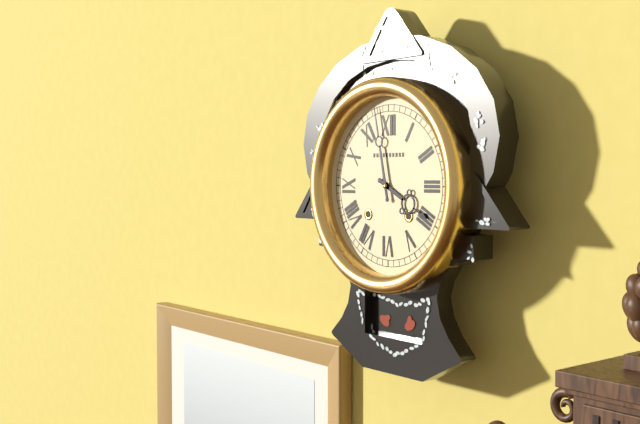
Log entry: 3:58
